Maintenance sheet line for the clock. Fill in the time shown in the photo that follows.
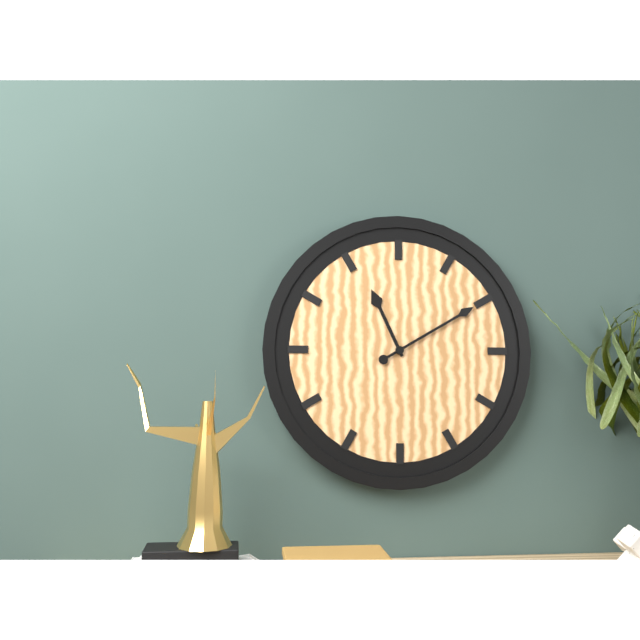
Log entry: 11:10
